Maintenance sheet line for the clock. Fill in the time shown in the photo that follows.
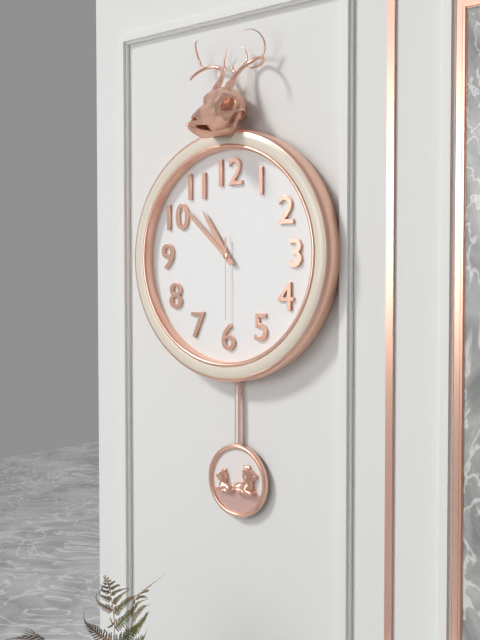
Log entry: 10:52:30
